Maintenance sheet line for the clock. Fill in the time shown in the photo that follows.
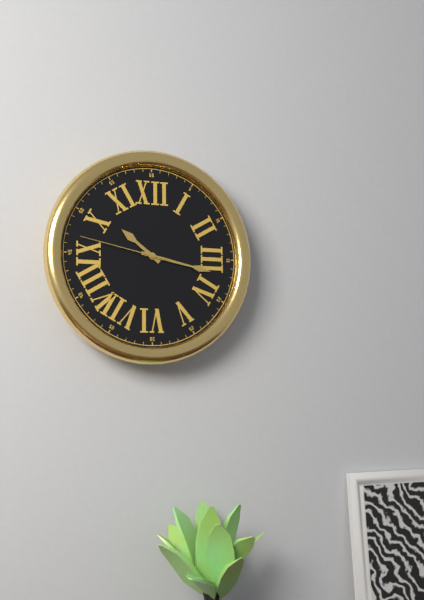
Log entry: 10:17:47
